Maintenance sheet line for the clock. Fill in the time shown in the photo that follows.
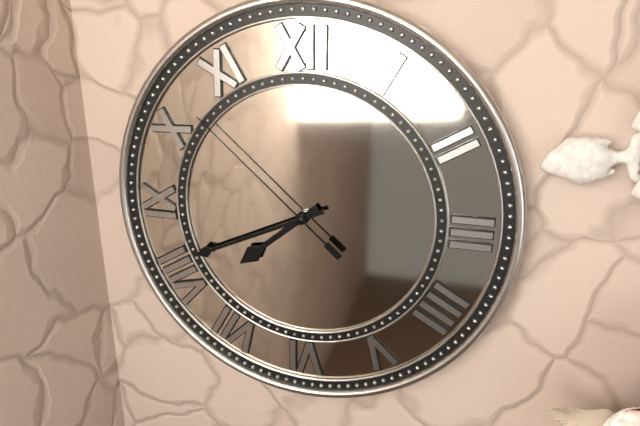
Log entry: 7:41:52
